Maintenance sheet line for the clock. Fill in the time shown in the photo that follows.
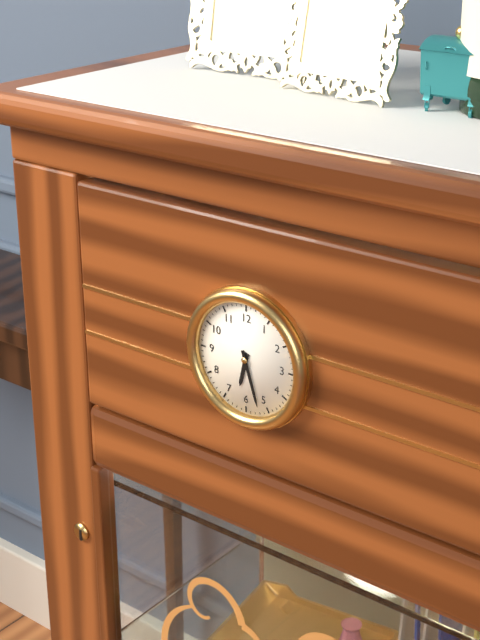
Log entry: 6:27
